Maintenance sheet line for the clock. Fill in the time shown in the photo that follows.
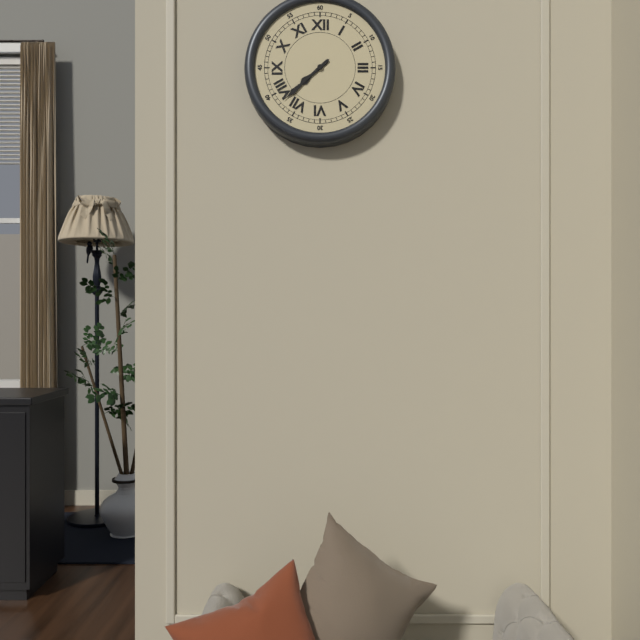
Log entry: 7:38
